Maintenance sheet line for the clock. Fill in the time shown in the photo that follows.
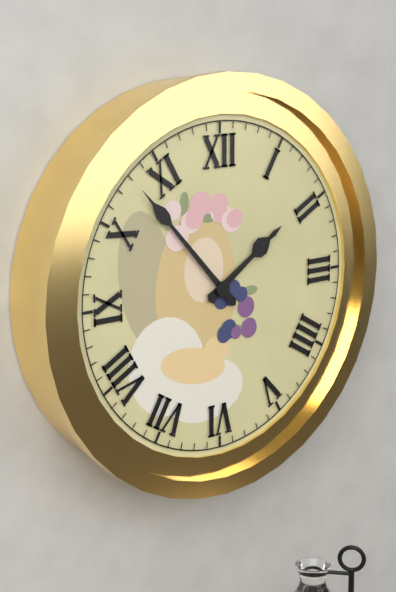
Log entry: 1:53
